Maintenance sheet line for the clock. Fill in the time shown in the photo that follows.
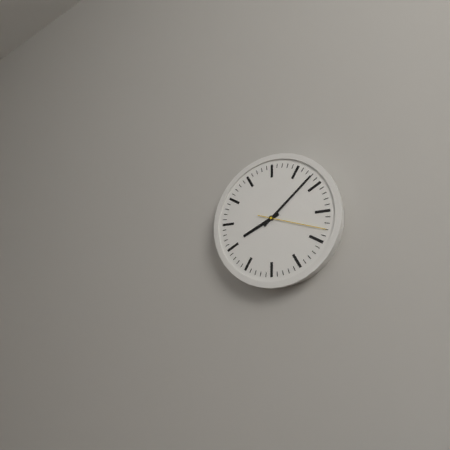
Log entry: 8:08:18
